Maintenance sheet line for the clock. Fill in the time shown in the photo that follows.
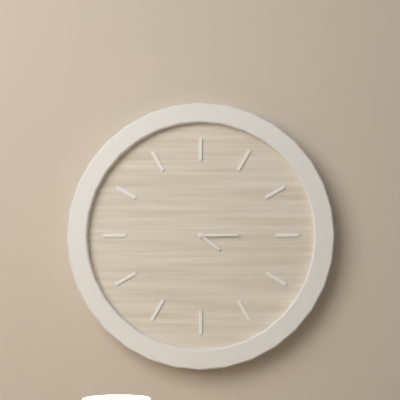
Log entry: 4:15
